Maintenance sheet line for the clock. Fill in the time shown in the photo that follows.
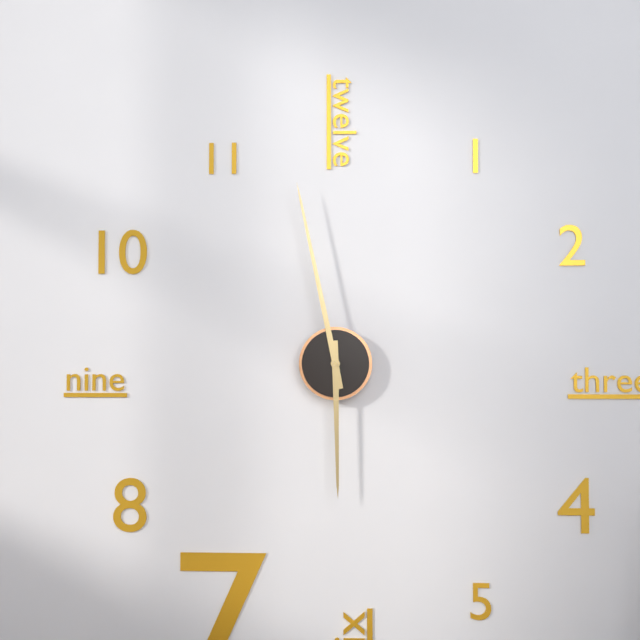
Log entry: 5:58
